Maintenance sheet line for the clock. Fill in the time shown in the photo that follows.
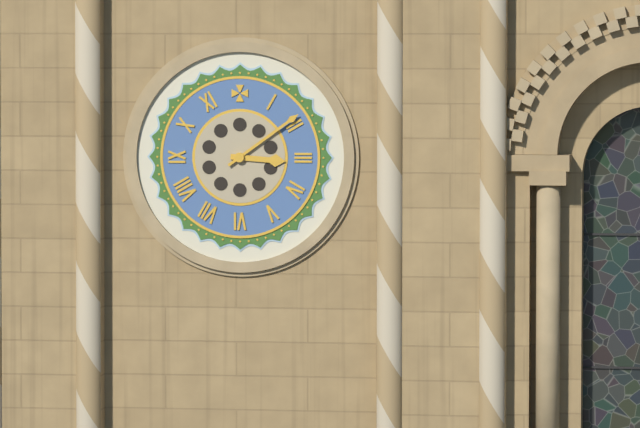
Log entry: 3:09
